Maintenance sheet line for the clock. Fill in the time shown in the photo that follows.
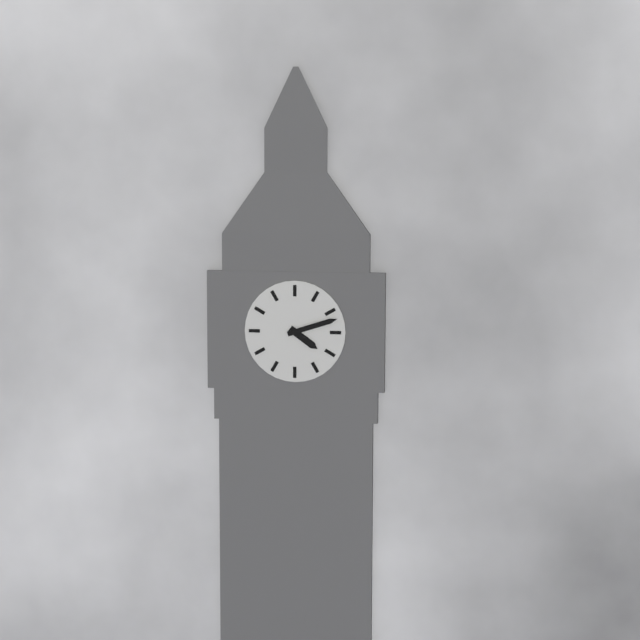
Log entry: 4:12
